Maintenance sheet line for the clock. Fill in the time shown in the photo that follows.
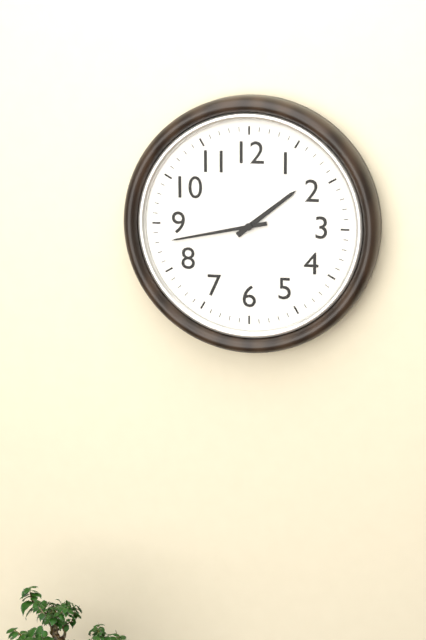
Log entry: 1:43
